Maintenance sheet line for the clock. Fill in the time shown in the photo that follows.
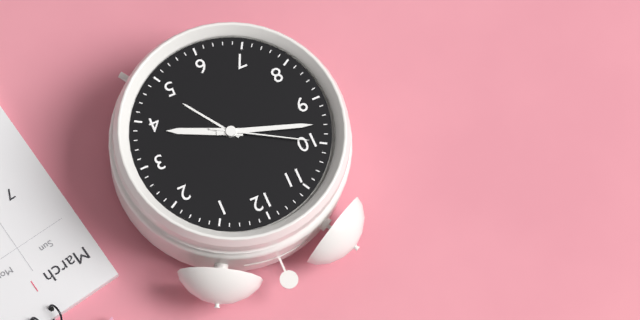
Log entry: 3:48:50
